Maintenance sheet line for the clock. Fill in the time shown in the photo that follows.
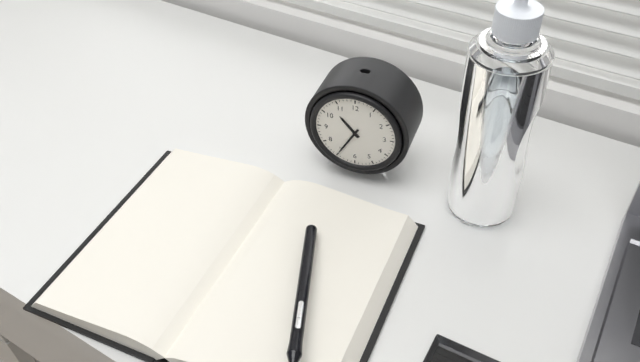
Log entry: 10:35
